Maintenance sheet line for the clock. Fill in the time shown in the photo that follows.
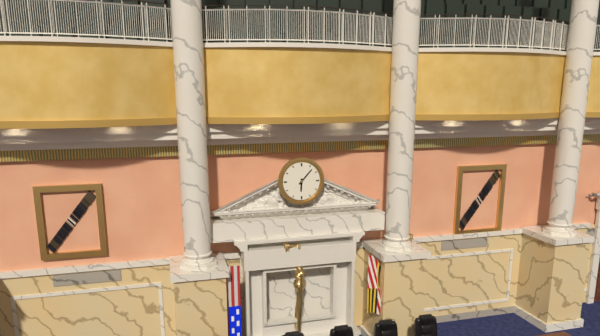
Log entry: 6:07
